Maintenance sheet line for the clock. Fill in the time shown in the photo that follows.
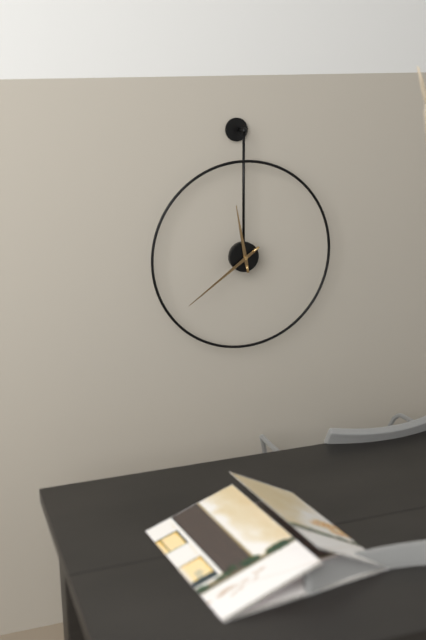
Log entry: 11:39
